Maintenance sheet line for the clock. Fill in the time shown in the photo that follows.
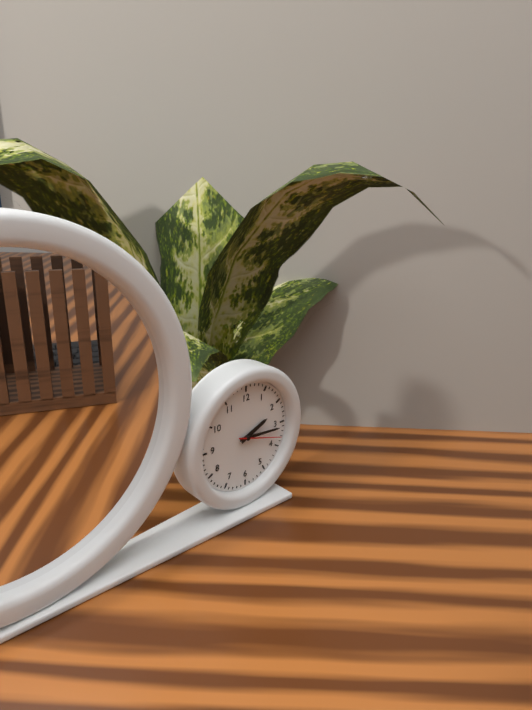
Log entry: 2:16:18
